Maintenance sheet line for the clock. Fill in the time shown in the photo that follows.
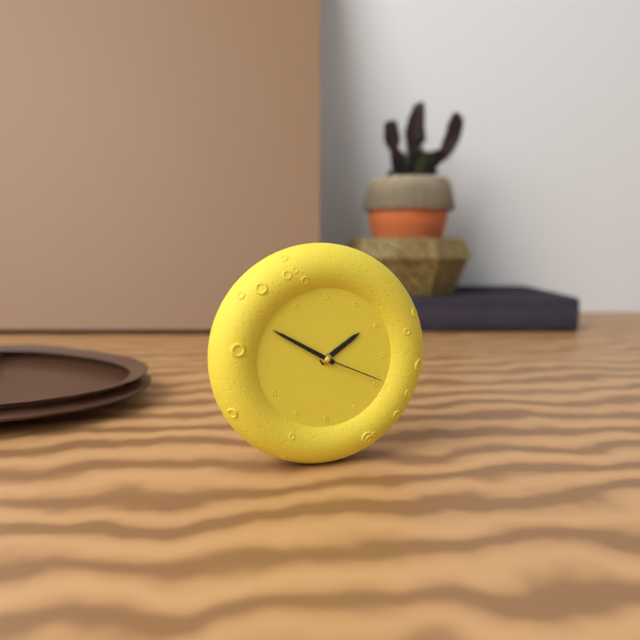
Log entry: 1:50:19
